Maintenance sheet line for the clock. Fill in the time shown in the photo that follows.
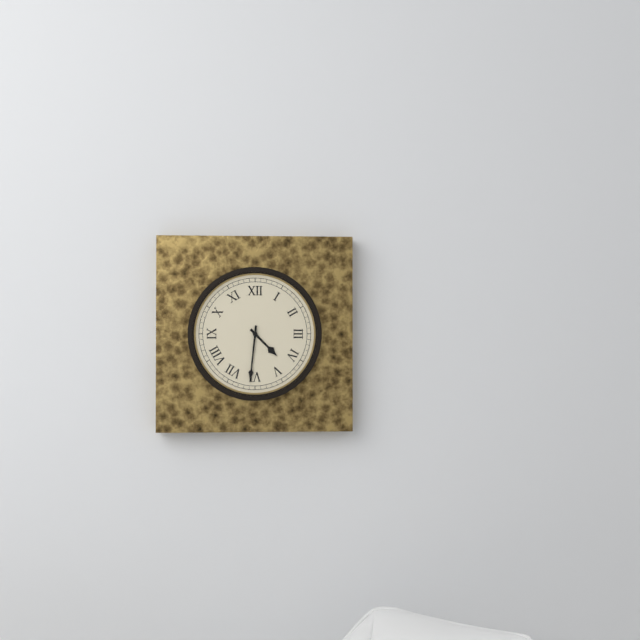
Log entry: 4:31
